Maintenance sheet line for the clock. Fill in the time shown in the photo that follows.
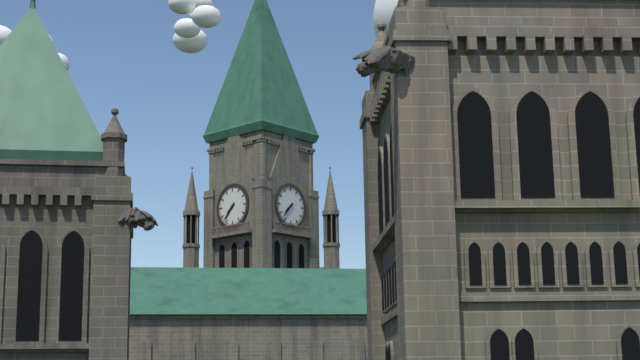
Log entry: 7:37
